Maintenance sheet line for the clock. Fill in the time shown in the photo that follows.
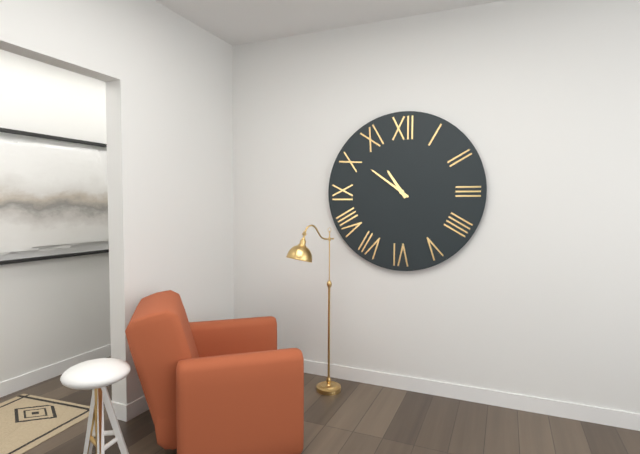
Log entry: 10:51
